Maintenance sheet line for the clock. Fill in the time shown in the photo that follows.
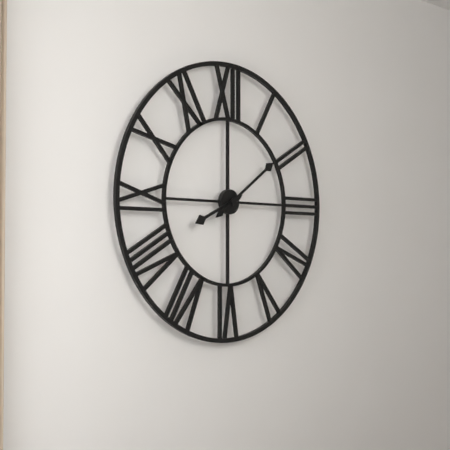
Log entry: 8:09
